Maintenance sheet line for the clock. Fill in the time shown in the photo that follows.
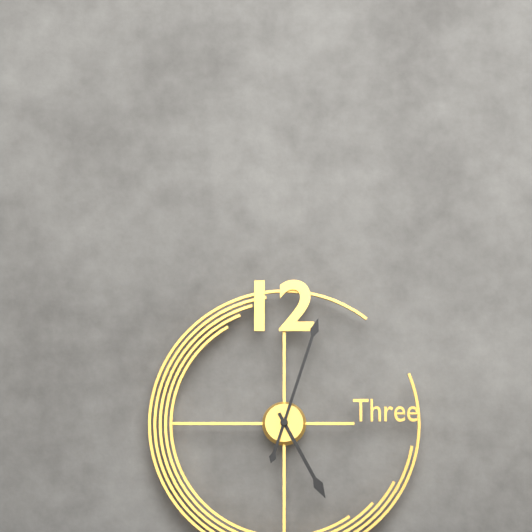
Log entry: 5:03
